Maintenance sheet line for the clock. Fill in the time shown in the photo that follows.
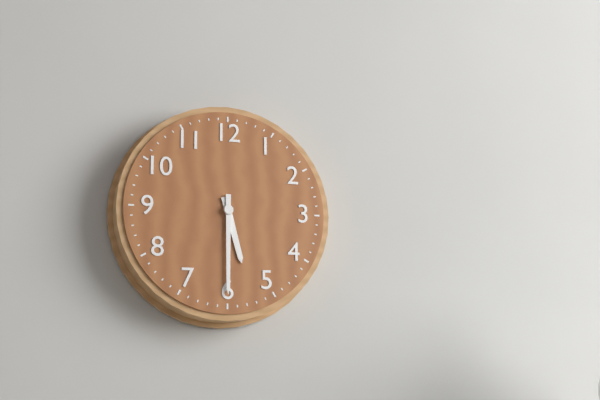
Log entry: 5:30
